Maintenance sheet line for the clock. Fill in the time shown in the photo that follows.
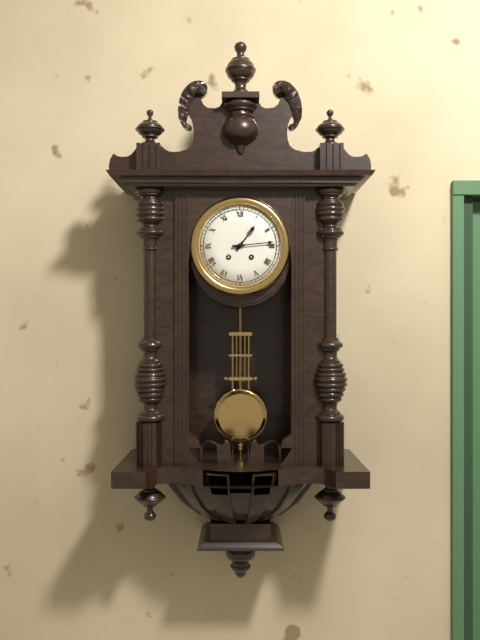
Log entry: 1:14
